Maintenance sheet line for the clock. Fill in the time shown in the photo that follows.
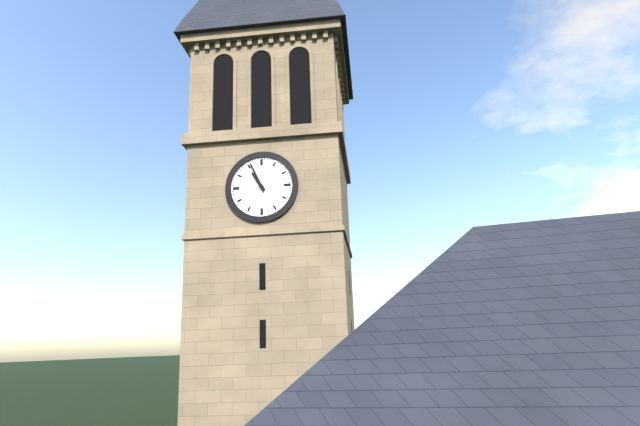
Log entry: 10:56
